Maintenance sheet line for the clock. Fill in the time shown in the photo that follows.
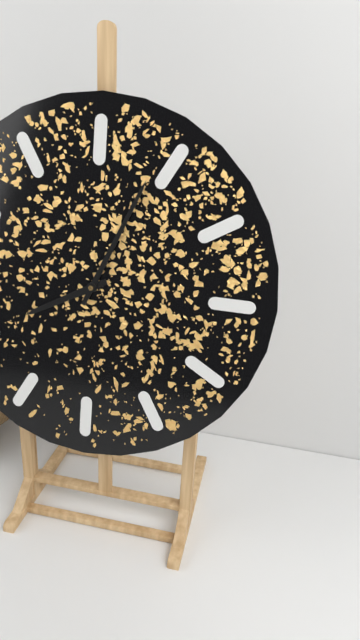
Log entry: 8:04
